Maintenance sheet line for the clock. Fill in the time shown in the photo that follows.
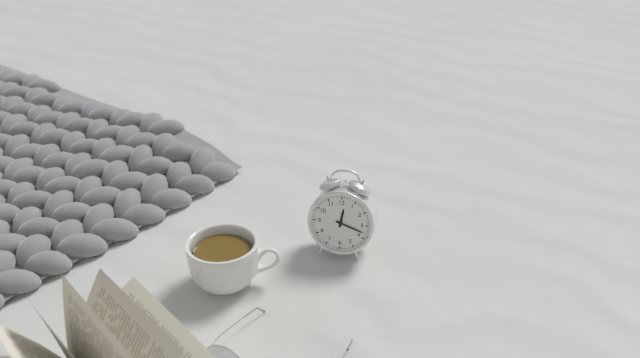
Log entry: 12:18
